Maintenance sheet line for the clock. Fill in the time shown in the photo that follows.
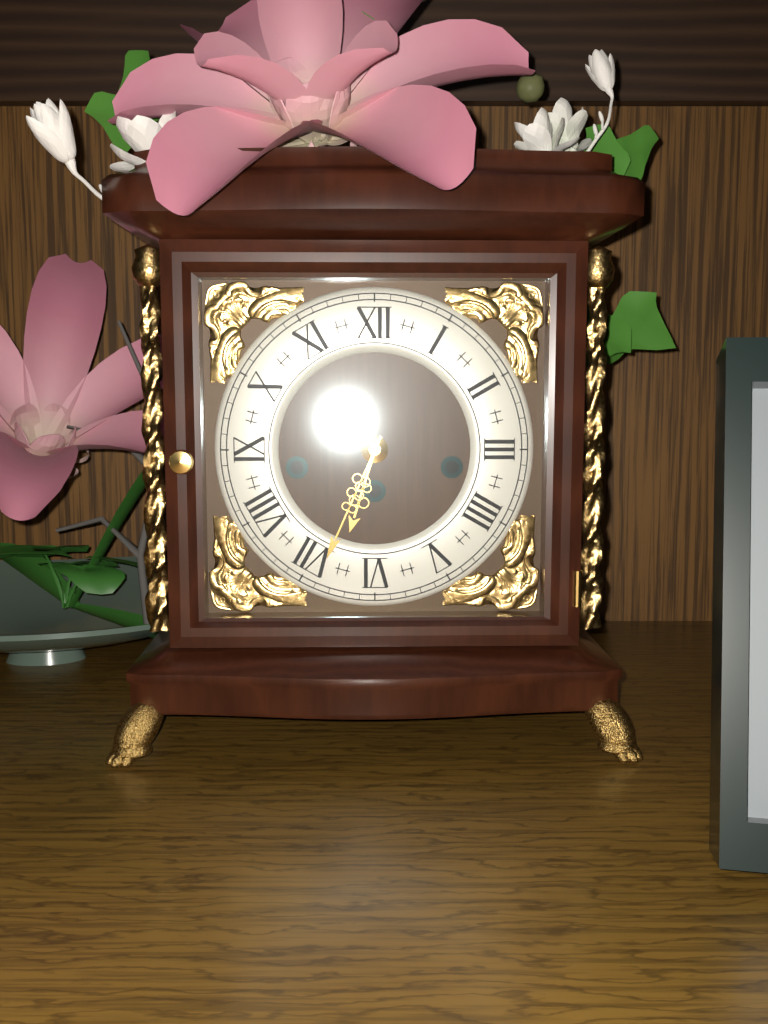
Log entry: 6:34
